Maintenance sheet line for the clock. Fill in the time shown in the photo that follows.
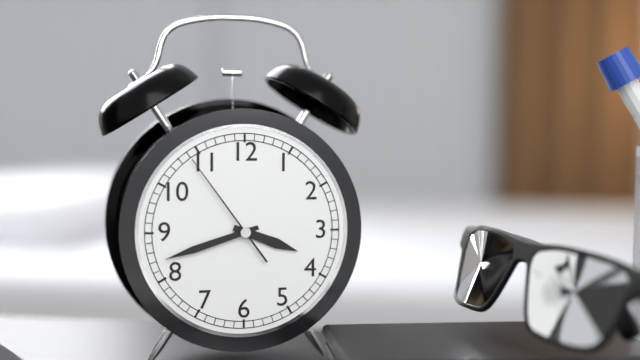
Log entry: 3:42:54
